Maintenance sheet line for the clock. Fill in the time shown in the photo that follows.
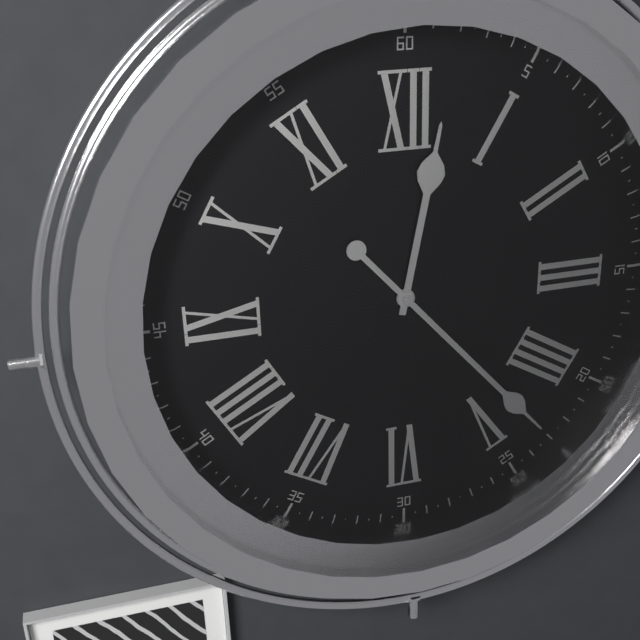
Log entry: 12:23
